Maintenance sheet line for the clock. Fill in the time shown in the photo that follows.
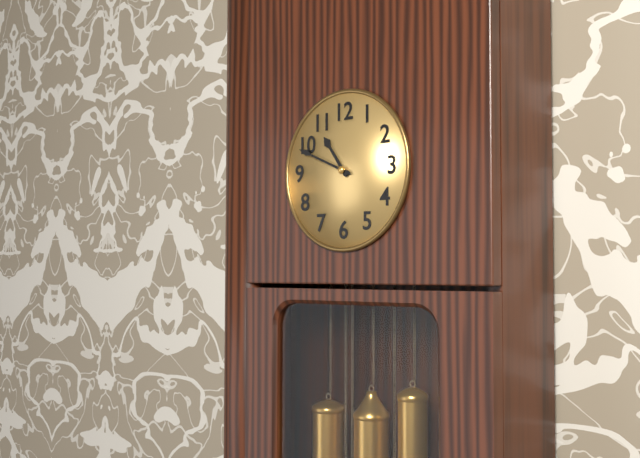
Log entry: 10:49
